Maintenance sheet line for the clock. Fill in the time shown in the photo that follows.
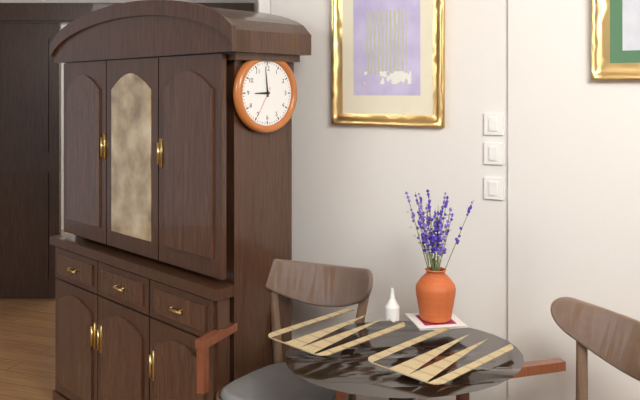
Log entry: 8:59
